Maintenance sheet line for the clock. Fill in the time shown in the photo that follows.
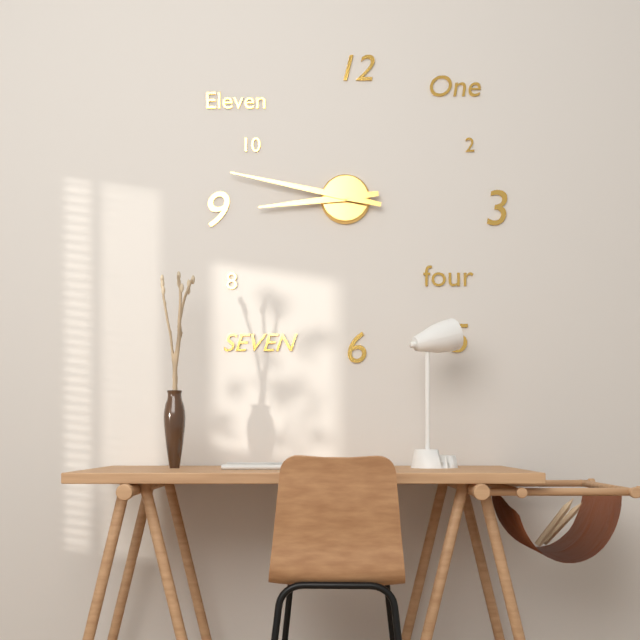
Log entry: 8:47
